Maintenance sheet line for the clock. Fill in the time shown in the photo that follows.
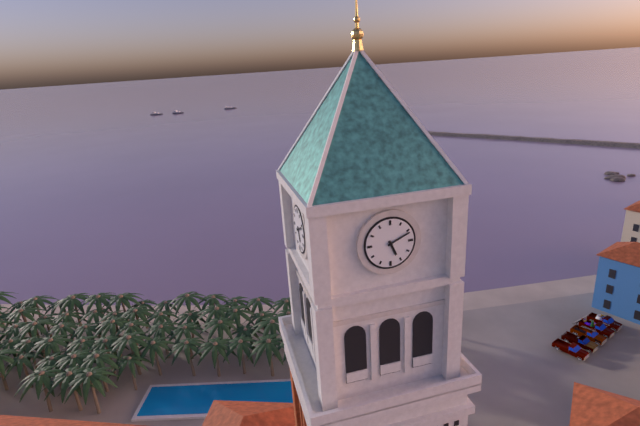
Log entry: 5:11
